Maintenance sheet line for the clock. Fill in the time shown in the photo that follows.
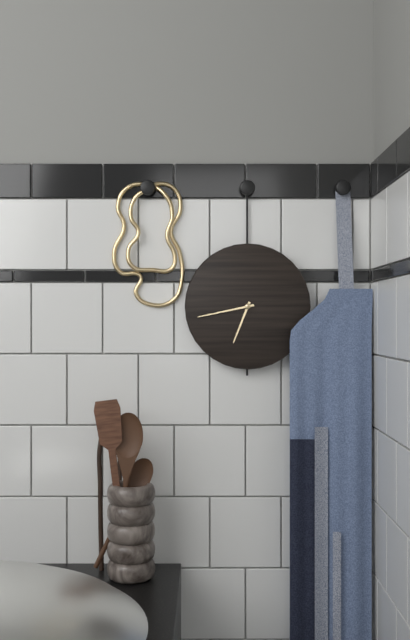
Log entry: 6:43
